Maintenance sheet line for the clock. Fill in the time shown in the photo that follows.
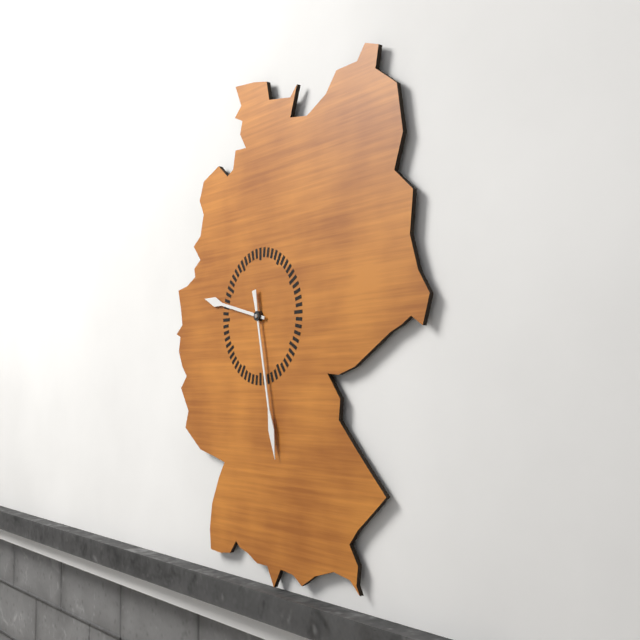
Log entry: 9:28
